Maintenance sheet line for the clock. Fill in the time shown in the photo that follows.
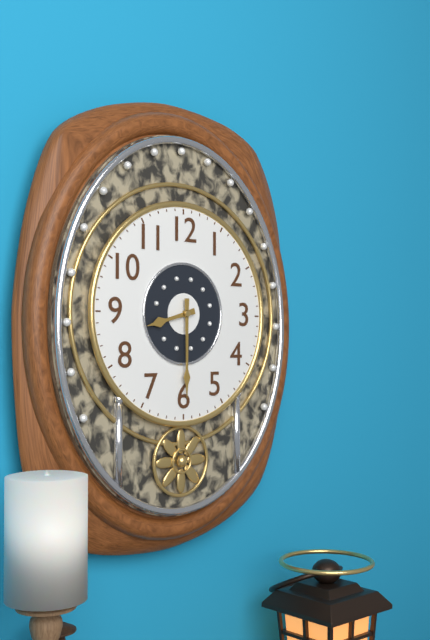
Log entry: 8:30
